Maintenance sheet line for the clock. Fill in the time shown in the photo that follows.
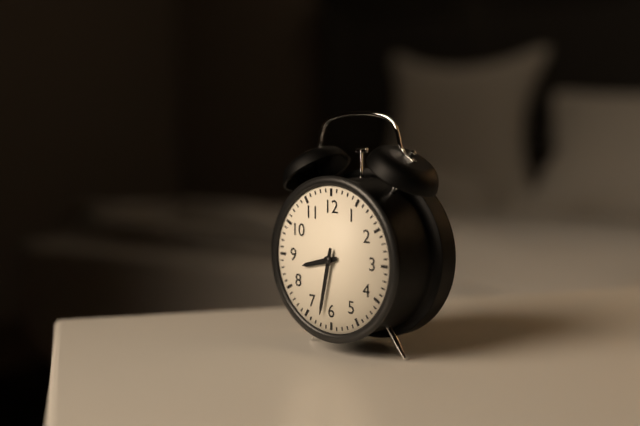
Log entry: 8:32
